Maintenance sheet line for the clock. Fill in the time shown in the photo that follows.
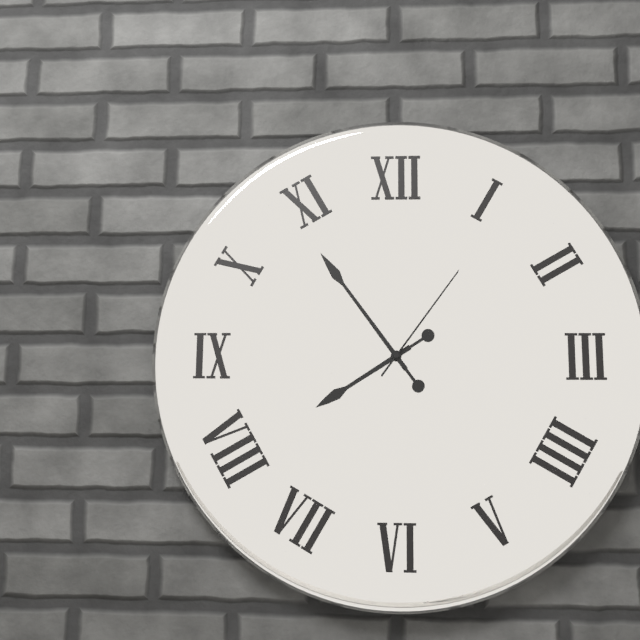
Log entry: 7:54:06
